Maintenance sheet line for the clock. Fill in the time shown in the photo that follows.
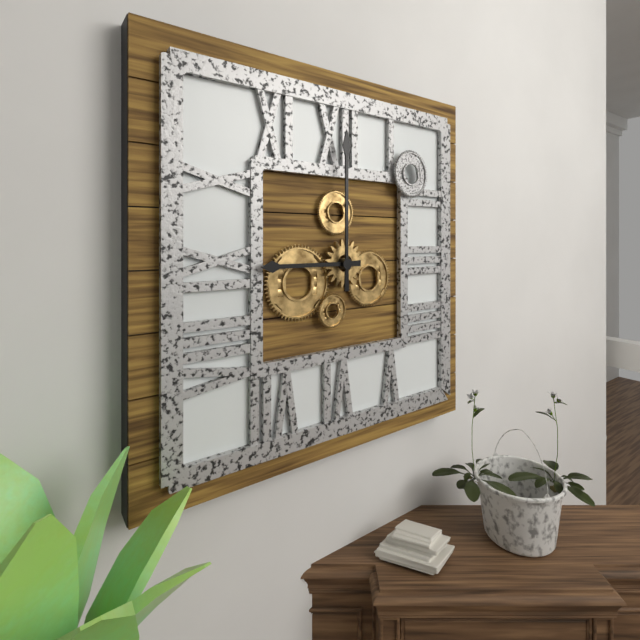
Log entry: 9:00
